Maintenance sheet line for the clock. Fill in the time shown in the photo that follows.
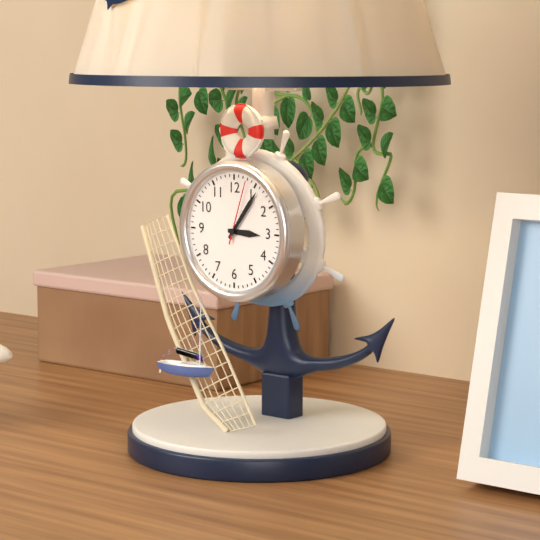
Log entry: 3:06:03
